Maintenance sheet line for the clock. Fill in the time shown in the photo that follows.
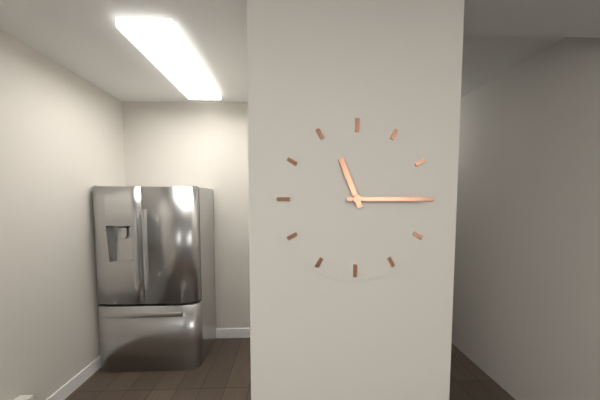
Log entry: 11:15
